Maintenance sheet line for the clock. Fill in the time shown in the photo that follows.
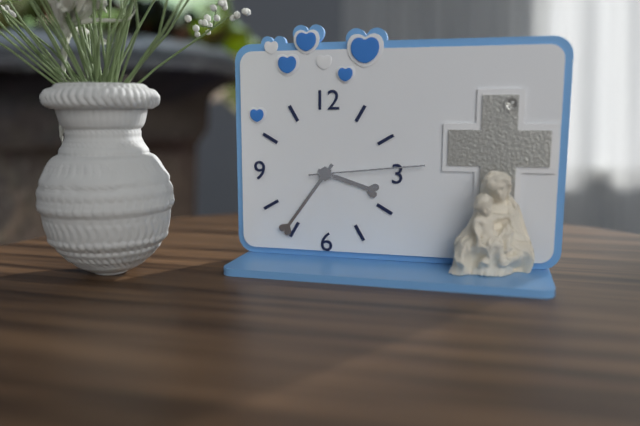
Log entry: 3:36:14
